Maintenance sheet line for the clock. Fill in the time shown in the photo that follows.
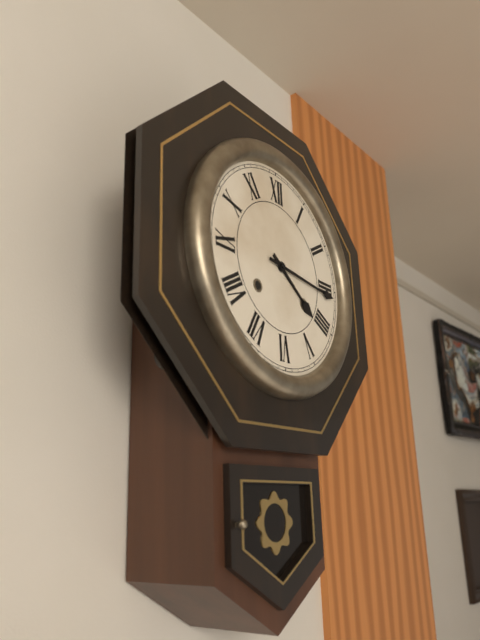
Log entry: 4:16
